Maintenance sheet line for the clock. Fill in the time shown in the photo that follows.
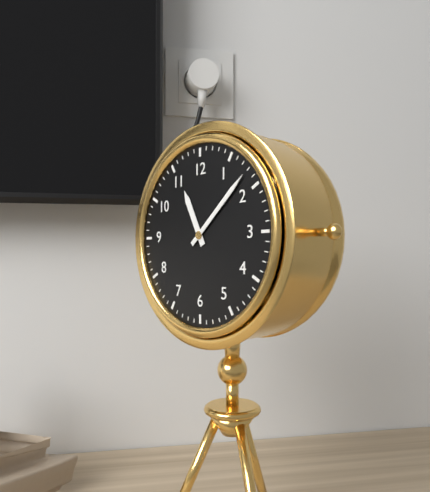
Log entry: 11:08
